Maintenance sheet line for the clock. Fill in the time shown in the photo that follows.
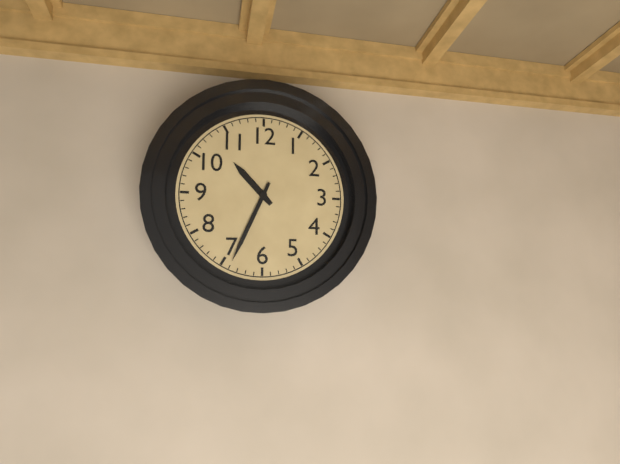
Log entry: 10:34
